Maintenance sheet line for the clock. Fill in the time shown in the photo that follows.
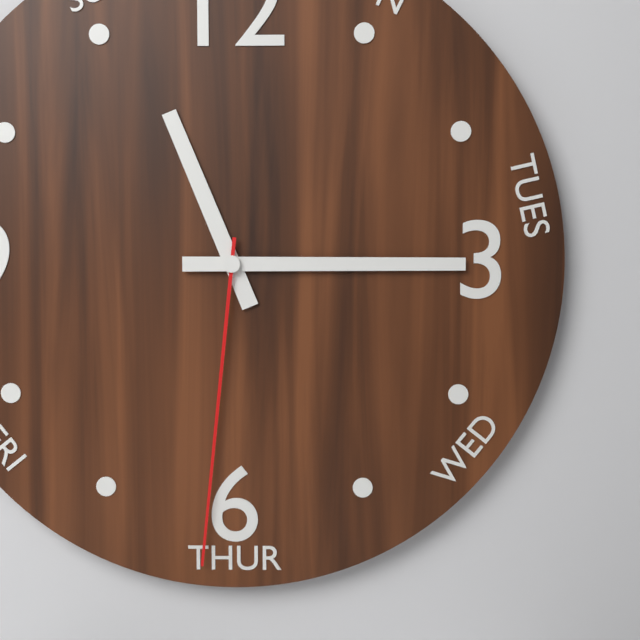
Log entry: 11:15:31
